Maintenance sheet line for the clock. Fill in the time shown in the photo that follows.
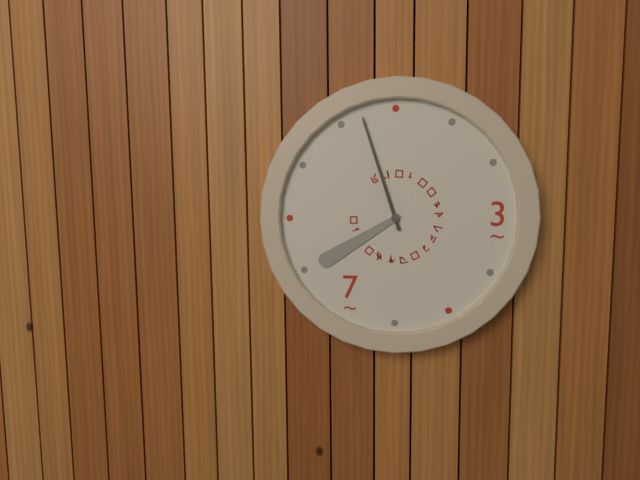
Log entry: 7:57
